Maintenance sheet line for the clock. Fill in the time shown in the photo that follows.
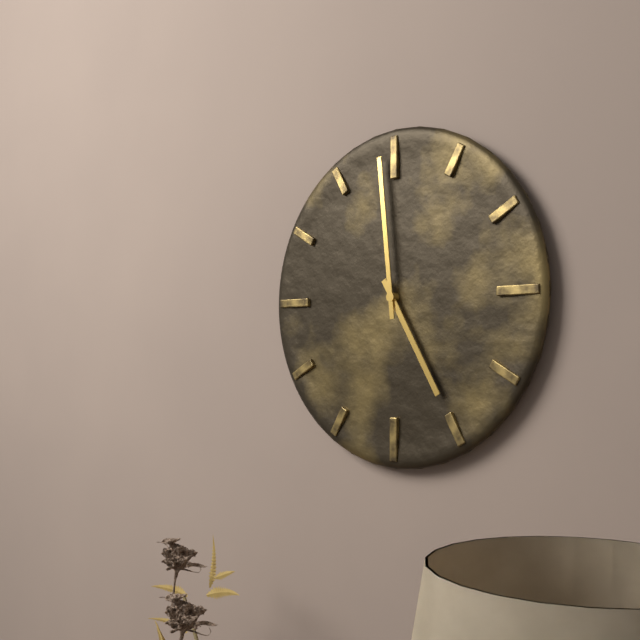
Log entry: 4:59
